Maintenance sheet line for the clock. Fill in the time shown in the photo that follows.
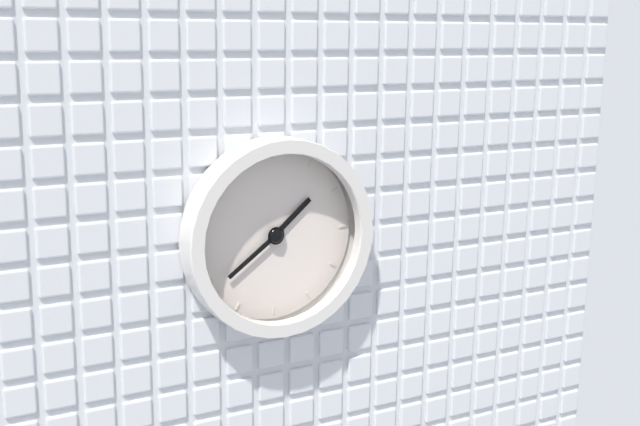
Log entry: 1:39
